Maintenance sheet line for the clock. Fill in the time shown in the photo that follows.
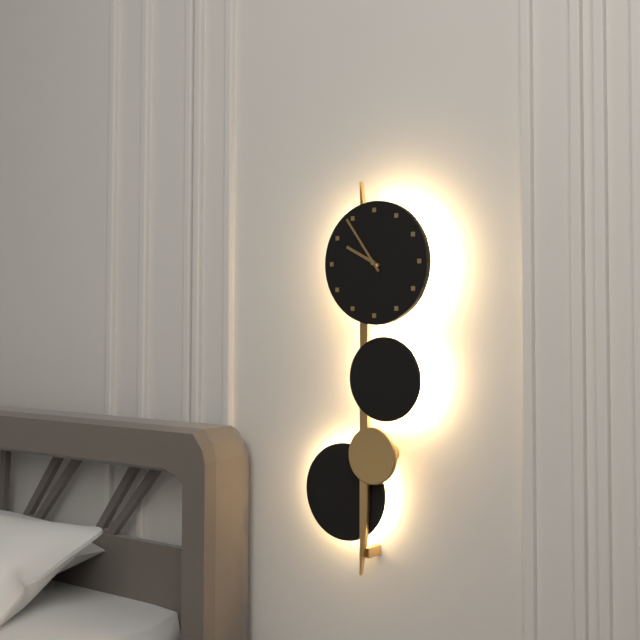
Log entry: 9:54
